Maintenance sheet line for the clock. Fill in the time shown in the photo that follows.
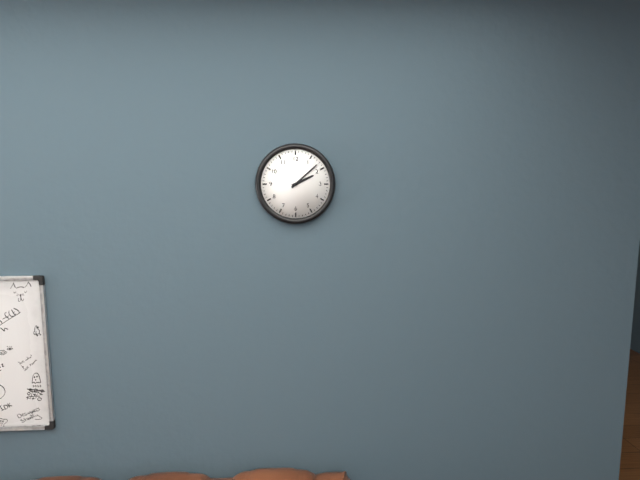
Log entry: 2:08
